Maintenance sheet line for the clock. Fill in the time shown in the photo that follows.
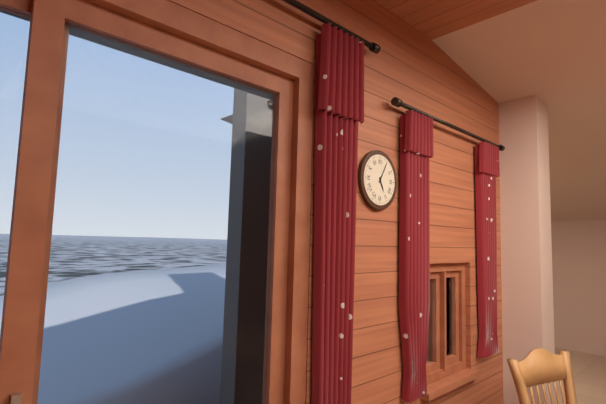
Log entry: 5:05
